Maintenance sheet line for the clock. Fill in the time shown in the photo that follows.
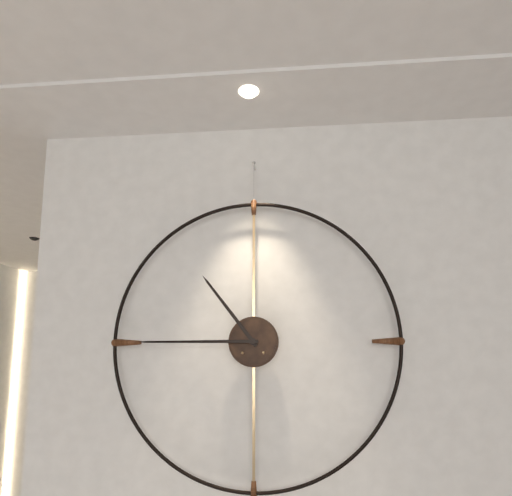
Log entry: 10:45
